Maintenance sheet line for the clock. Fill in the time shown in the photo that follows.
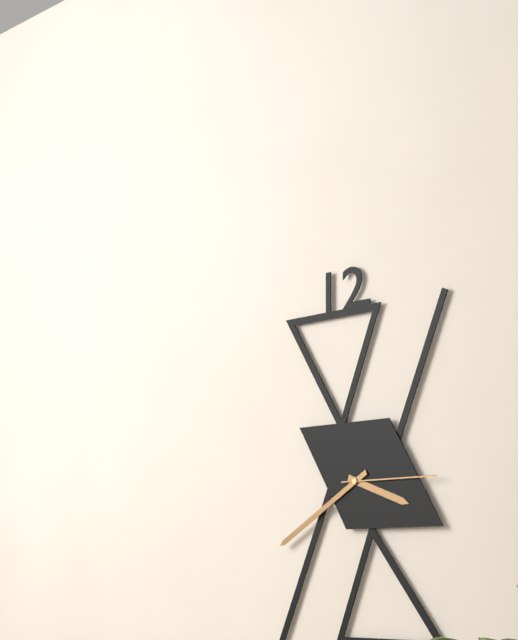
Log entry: 3:40:15
